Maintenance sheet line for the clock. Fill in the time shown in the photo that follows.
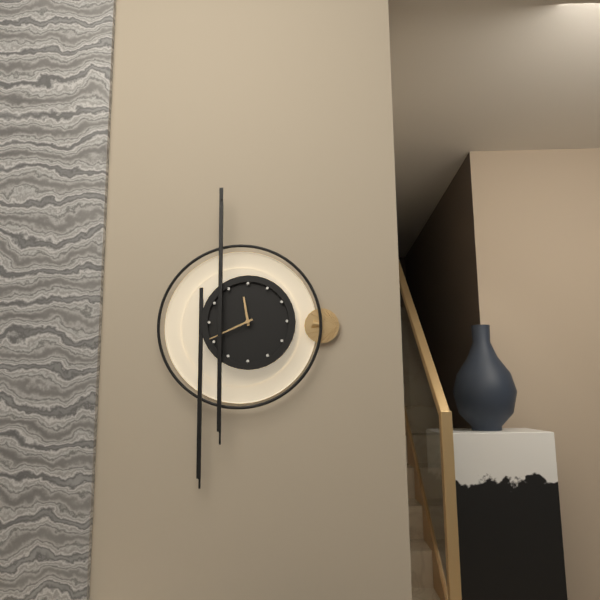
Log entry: 11:41
